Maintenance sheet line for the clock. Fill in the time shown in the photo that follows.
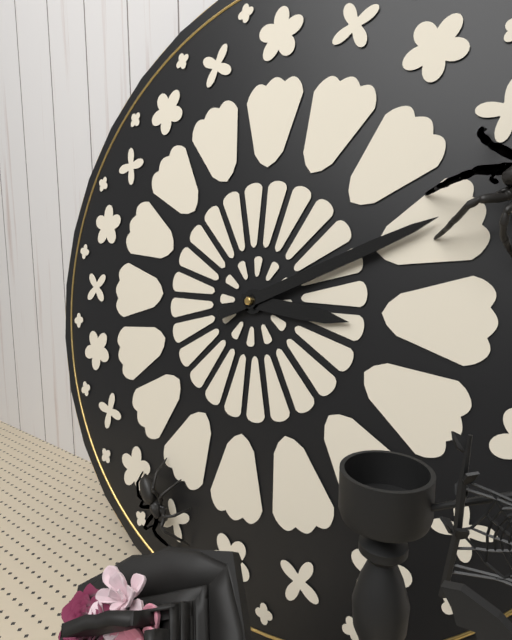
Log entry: 3:11
